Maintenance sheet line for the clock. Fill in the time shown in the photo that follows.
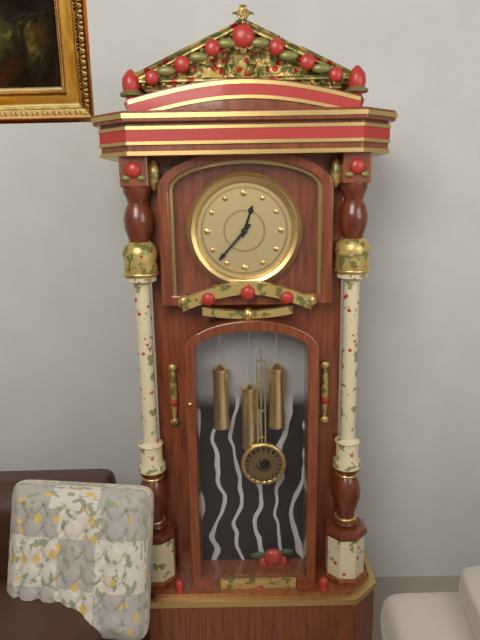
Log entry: 12:37
